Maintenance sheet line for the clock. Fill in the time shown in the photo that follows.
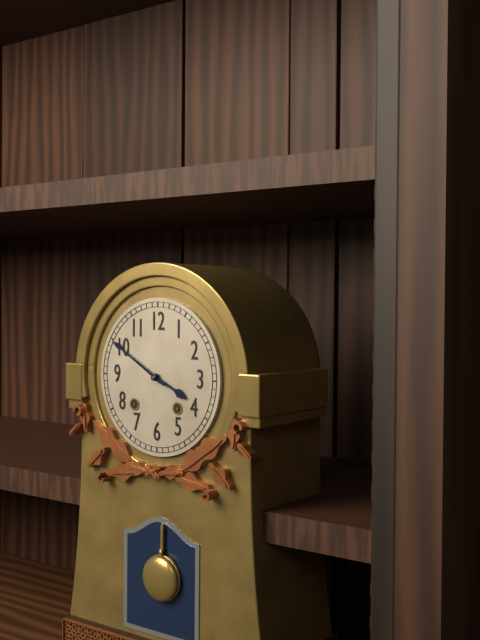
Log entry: 3:50
